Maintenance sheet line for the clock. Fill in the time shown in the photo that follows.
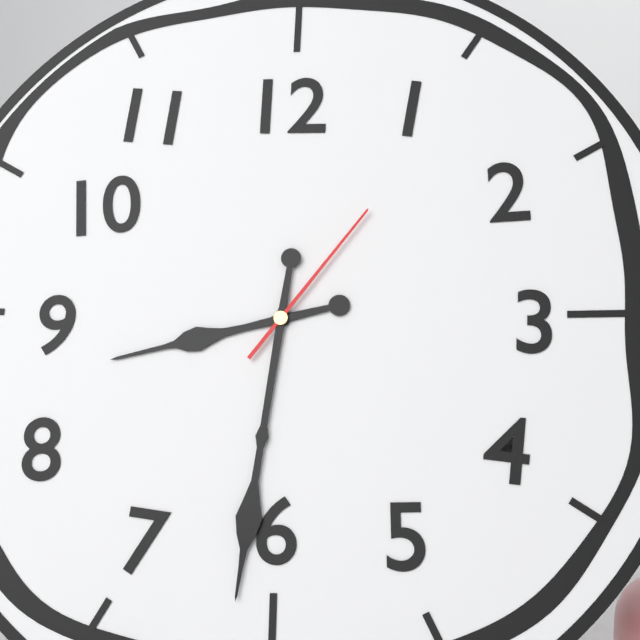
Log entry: 8:31:06
